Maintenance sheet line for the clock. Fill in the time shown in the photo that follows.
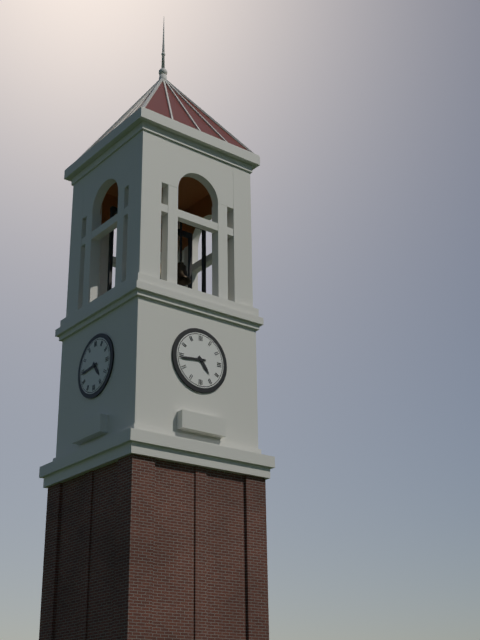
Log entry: 4:44
